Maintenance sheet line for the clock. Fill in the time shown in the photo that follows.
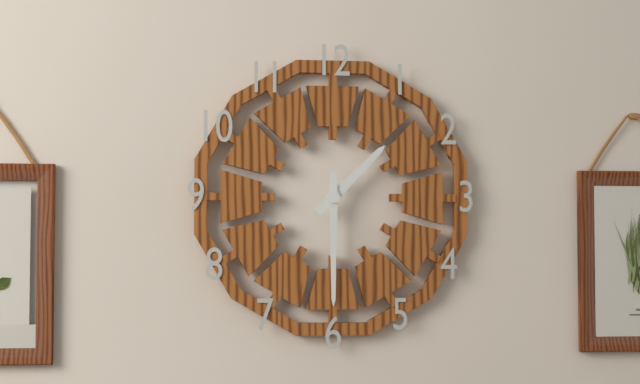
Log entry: 1:30
